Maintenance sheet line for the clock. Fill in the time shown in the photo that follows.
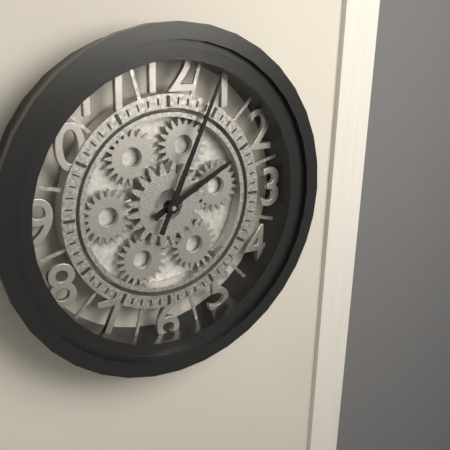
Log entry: 2:04
